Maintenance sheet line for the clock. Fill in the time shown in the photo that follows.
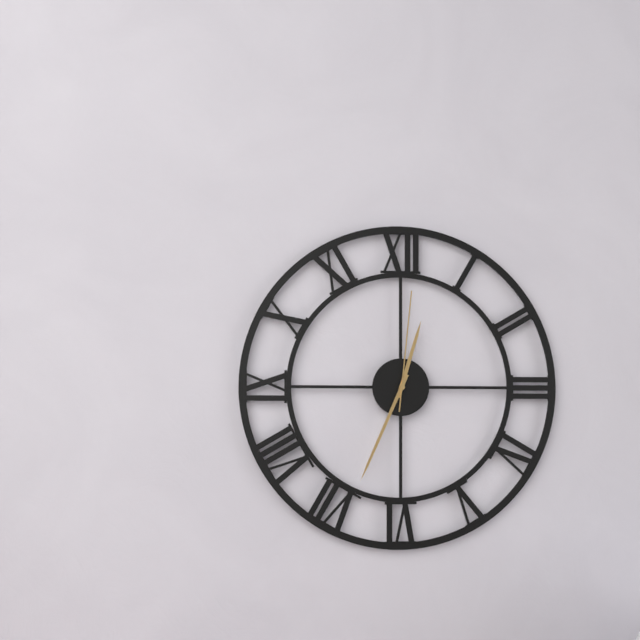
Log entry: 12:34:01
